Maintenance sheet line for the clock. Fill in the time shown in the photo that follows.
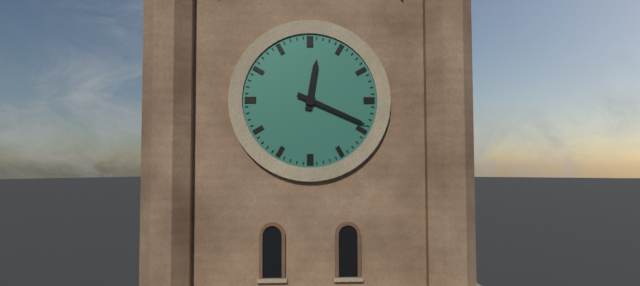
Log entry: 12:19
